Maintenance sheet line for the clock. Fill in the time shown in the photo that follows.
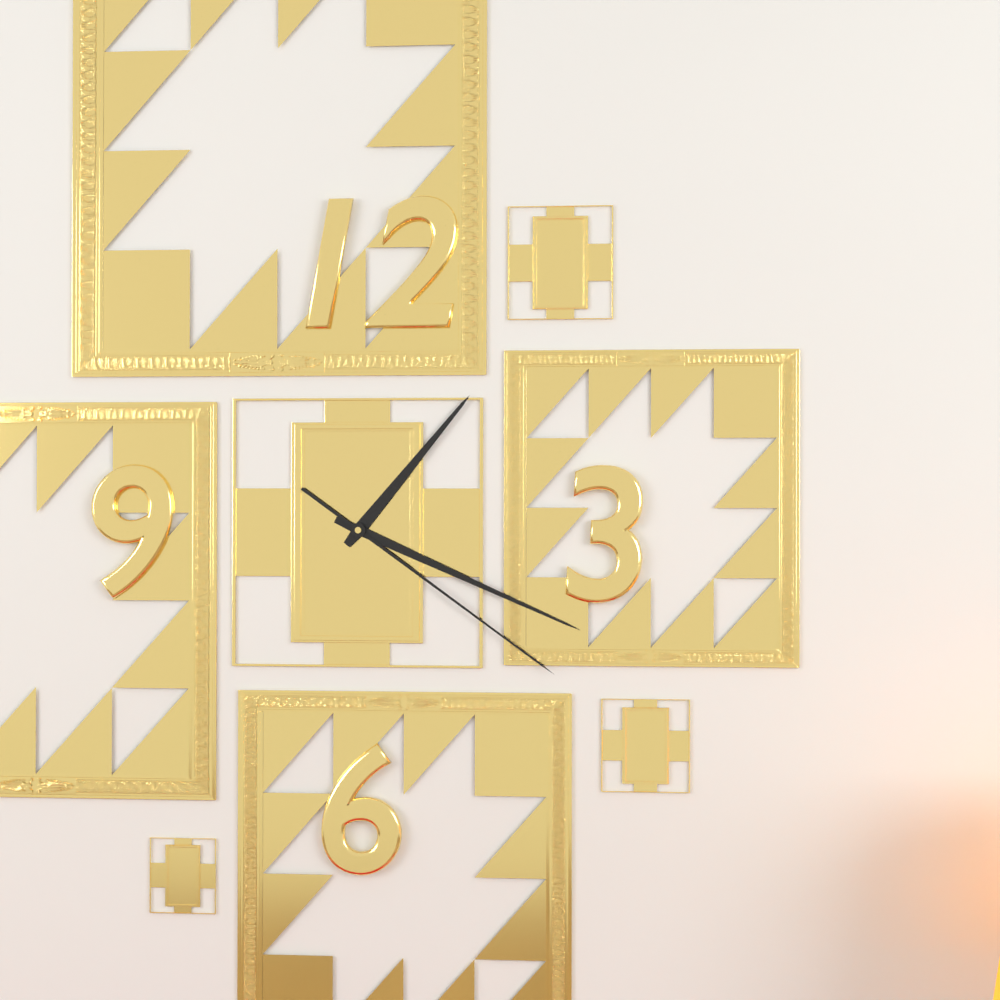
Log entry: 1:19:21
